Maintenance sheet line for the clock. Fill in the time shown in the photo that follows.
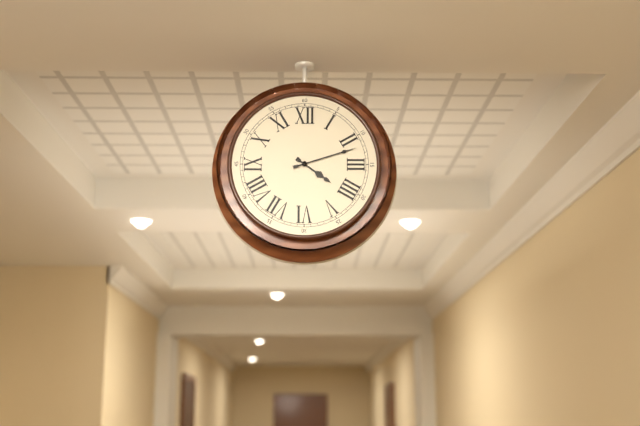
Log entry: 4:12
